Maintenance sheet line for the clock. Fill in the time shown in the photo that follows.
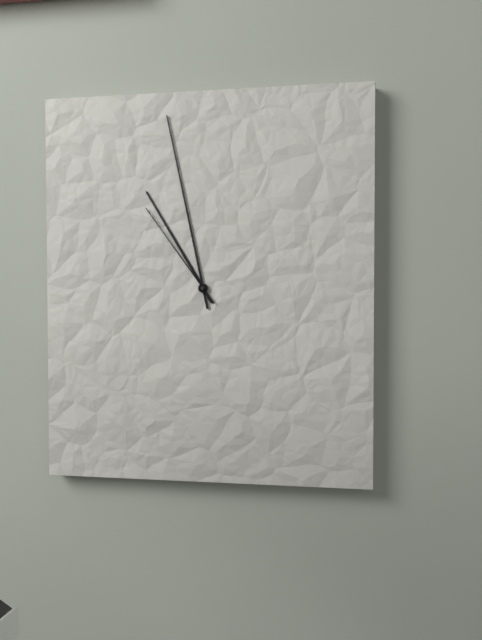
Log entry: 10:58:54
